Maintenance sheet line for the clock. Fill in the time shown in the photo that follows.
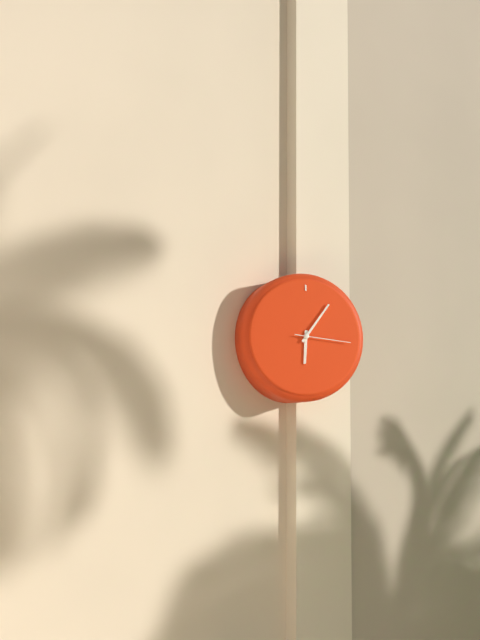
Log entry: 6:06:16
